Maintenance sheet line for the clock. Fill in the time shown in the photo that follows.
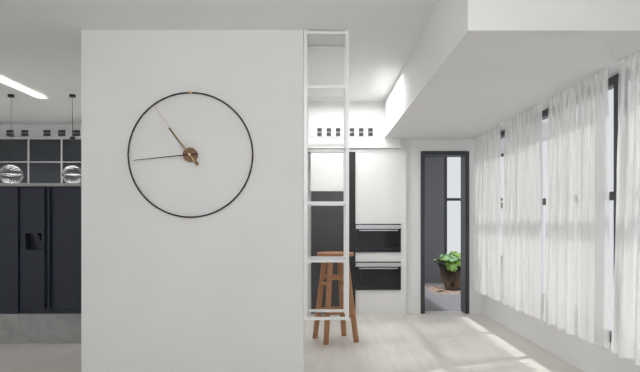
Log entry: 10:44:54
